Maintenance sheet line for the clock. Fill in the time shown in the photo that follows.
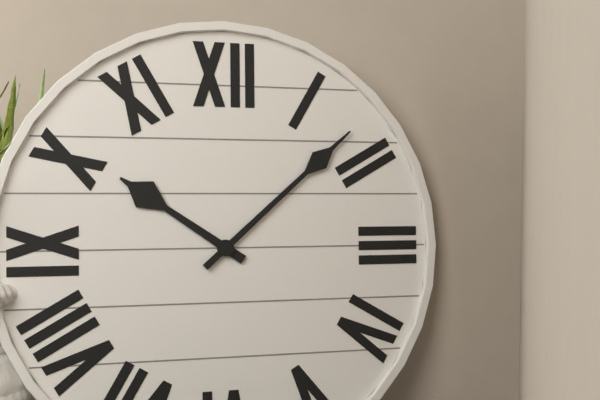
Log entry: 10:08
